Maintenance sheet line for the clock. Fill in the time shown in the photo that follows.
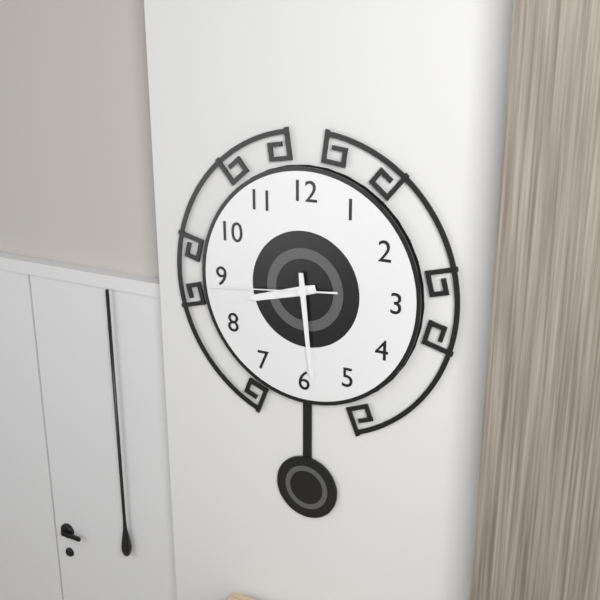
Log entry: 8:29:44
